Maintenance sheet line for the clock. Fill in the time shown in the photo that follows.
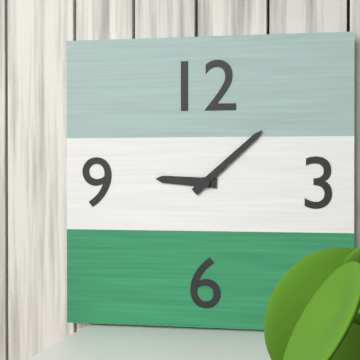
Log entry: 9:08
